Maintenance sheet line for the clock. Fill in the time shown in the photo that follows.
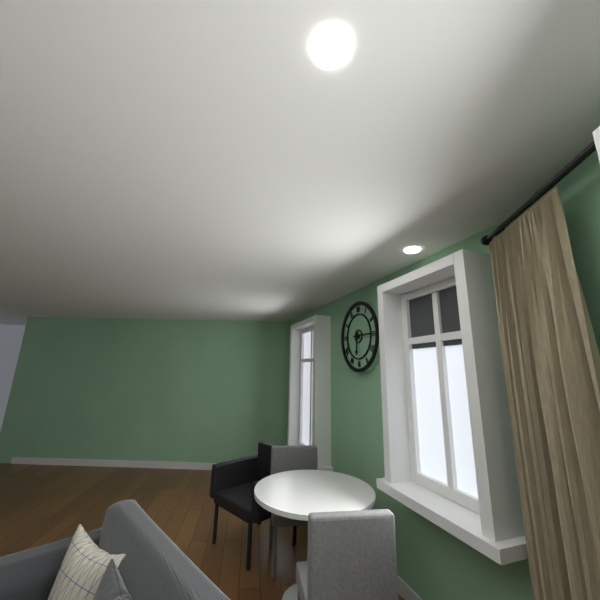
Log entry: 6:15
